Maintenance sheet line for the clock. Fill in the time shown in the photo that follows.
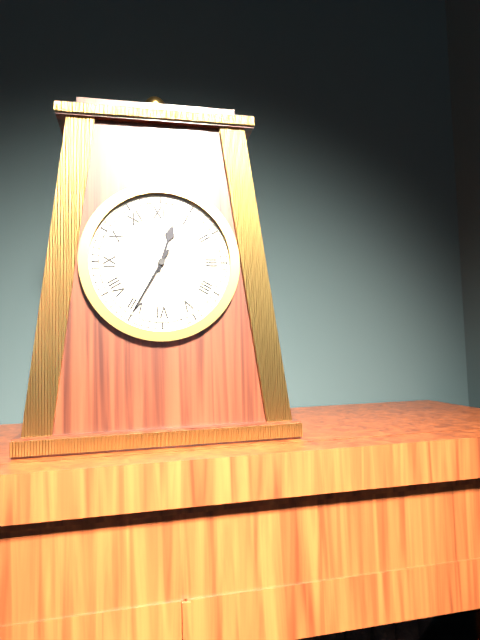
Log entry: 12:35
